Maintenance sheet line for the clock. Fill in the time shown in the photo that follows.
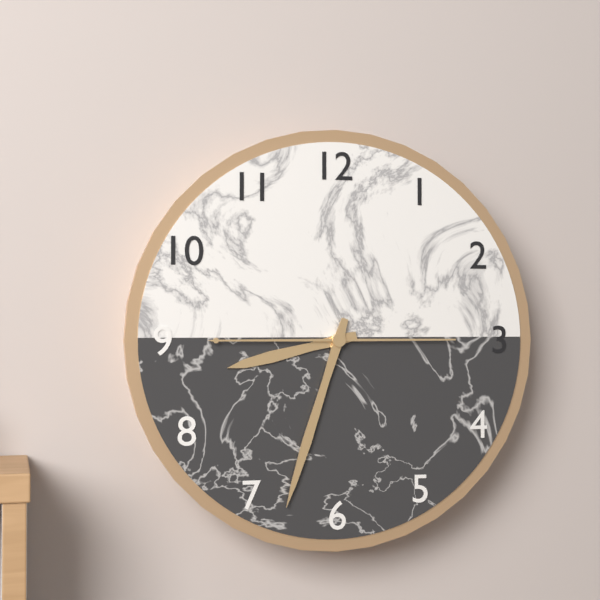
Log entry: 8:33:45
